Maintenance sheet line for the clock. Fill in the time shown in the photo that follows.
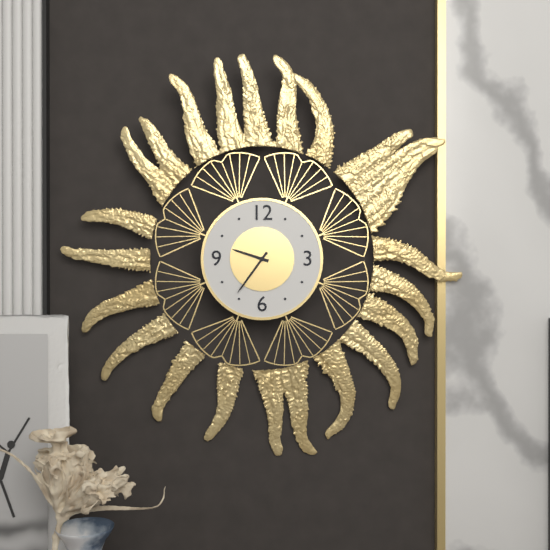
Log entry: 9:36
